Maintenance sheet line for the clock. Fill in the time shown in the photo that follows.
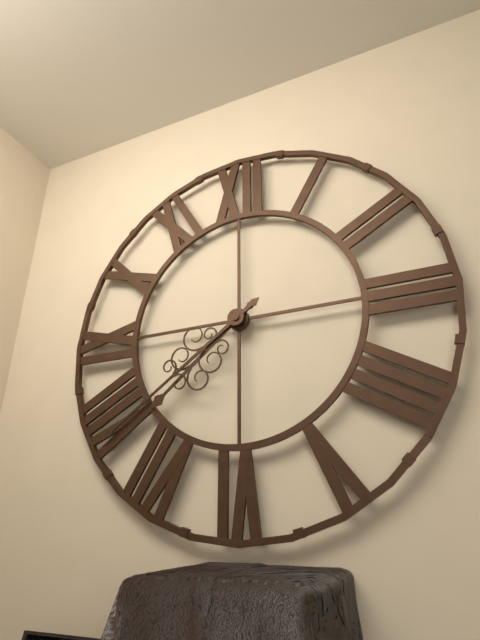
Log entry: 7:39
